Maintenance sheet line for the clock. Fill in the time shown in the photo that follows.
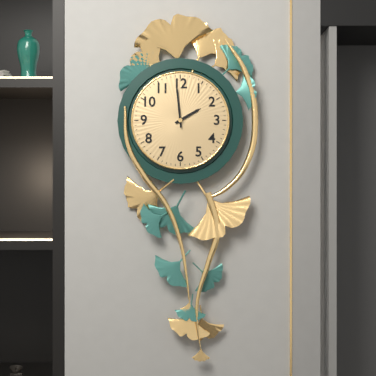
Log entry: 1:59
